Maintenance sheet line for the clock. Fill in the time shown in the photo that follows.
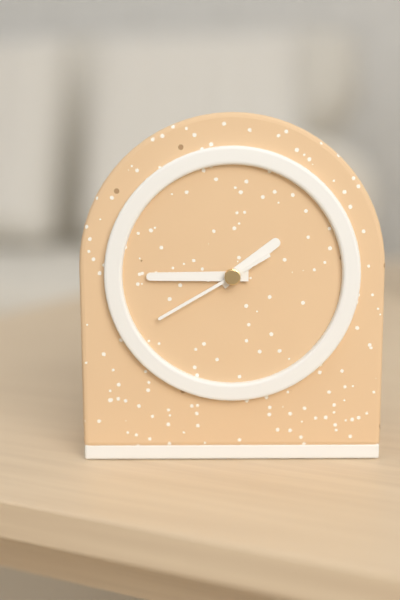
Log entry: 1:45:40
